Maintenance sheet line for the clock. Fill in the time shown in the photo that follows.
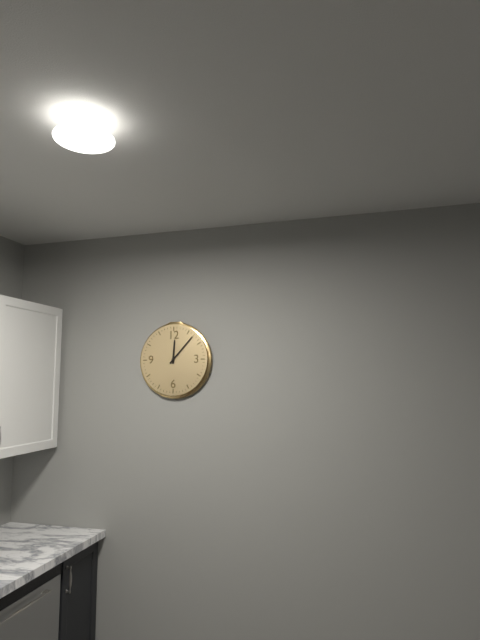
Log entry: 12:07
